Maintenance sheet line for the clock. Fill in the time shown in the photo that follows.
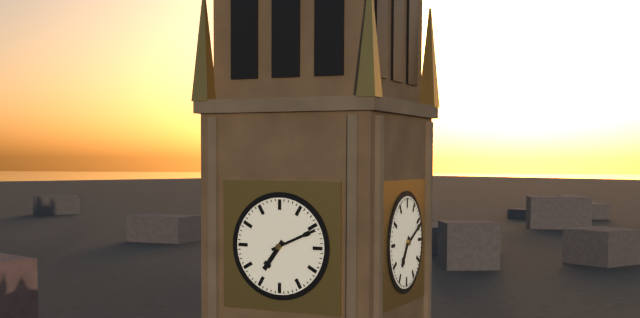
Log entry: 7:11
